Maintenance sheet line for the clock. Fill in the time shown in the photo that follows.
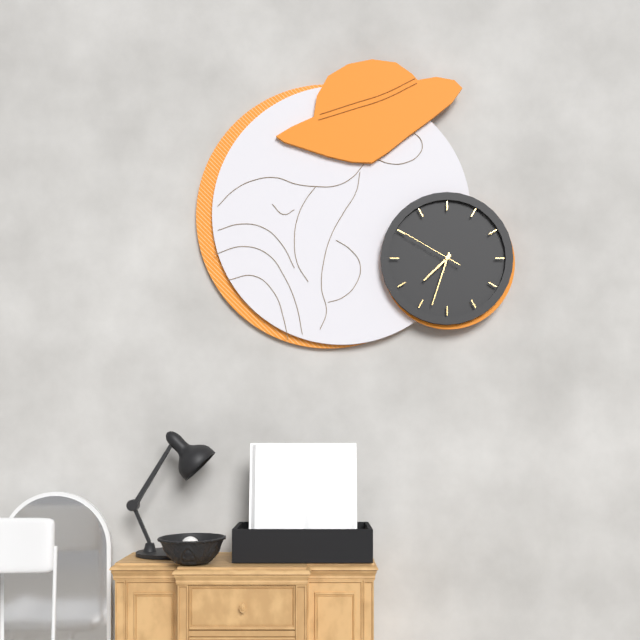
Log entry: 7:33:50
